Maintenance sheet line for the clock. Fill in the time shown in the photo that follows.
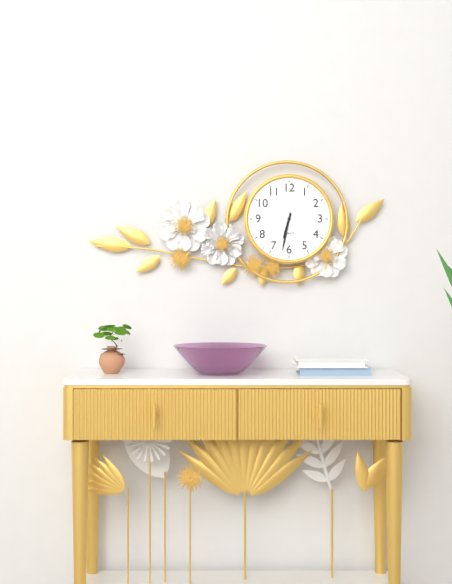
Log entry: 6:32
